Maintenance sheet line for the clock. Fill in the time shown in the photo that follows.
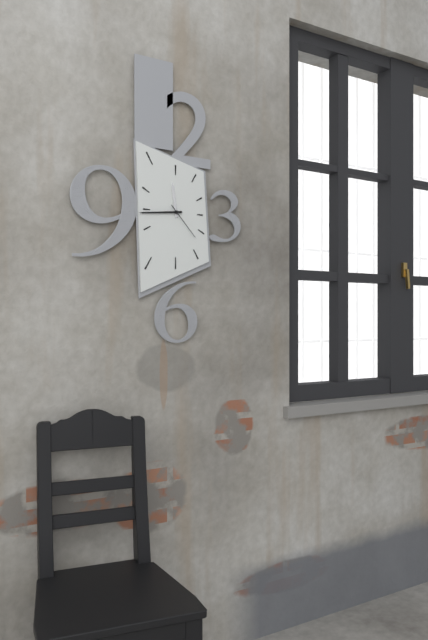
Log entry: 11:44
